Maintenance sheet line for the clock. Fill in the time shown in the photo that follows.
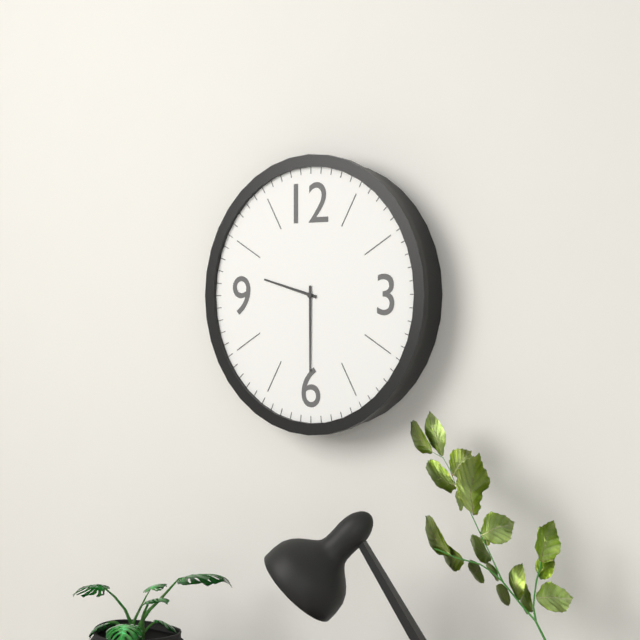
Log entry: 9:30
